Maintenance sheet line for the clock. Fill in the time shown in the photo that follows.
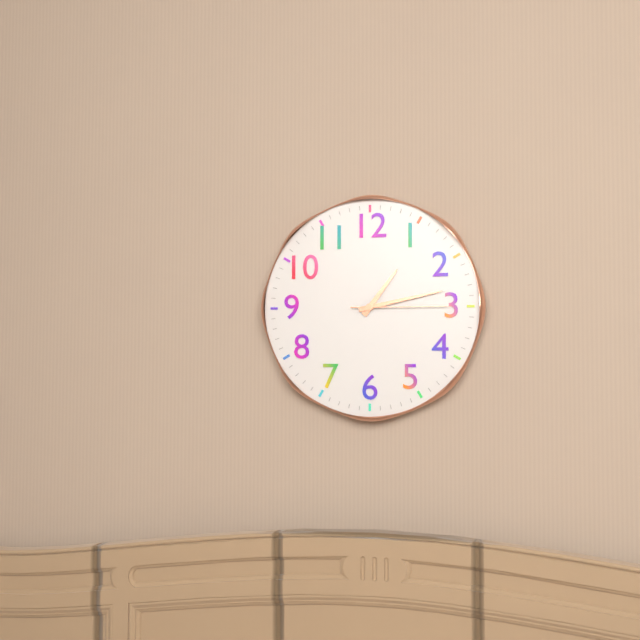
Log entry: 1:13:15
